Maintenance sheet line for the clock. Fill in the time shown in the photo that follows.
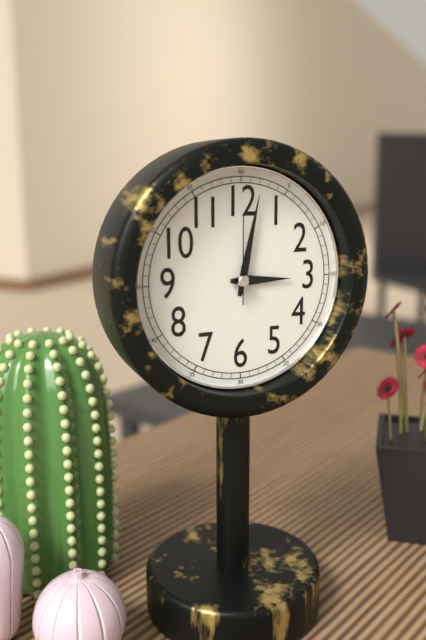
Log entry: 3:02:00
